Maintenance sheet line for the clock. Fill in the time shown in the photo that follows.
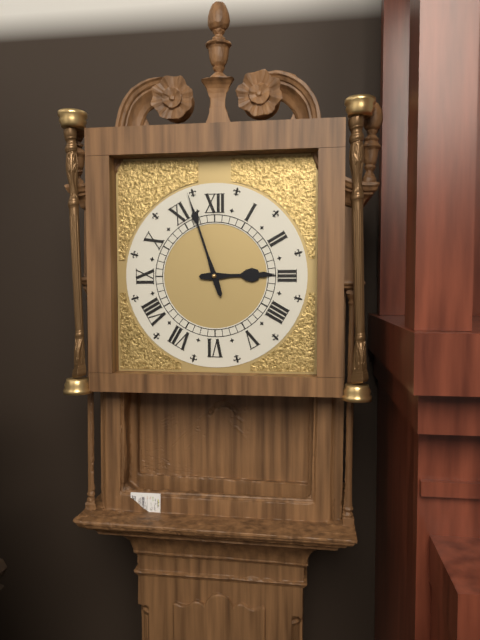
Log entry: 2:57
